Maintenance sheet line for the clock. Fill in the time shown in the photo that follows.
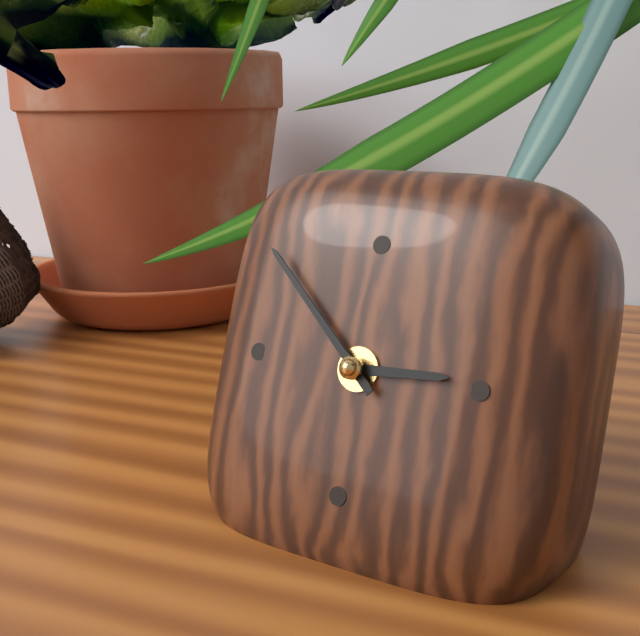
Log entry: 2:52
